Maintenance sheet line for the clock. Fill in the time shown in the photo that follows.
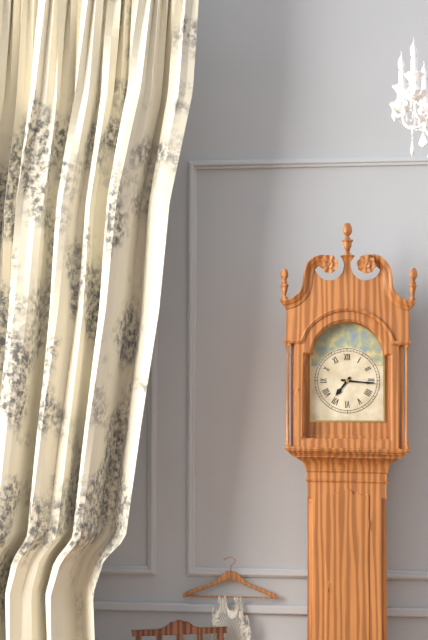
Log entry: 7:16
